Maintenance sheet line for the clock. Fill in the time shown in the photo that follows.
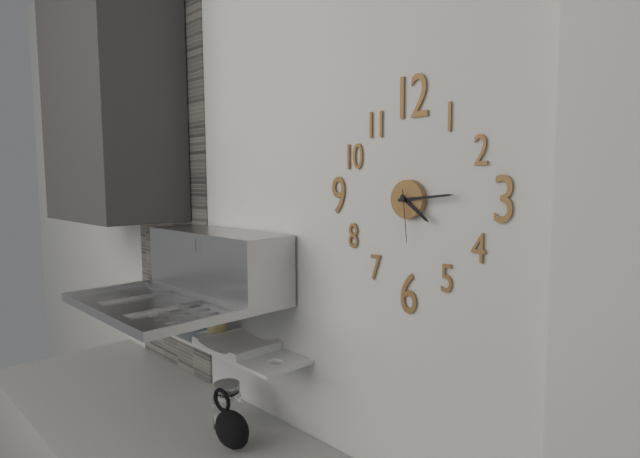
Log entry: 4:14:29
